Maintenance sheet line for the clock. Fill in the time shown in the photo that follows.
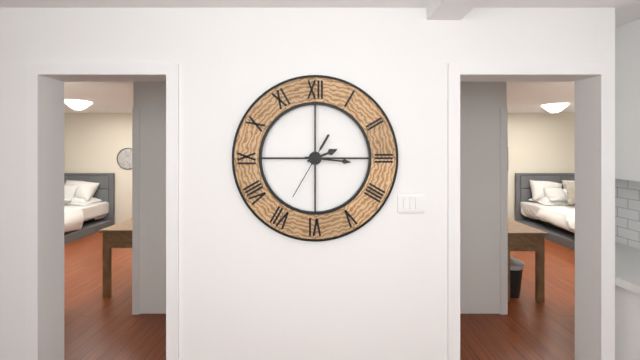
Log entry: 2:16:35
